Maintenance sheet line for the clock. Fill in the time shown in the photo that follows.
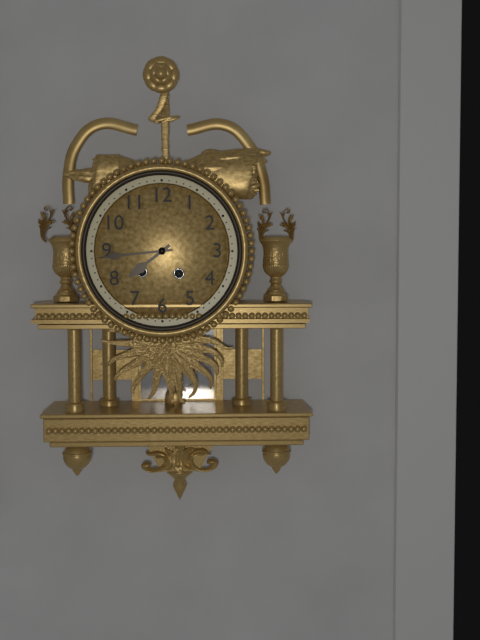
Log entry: 7:44
